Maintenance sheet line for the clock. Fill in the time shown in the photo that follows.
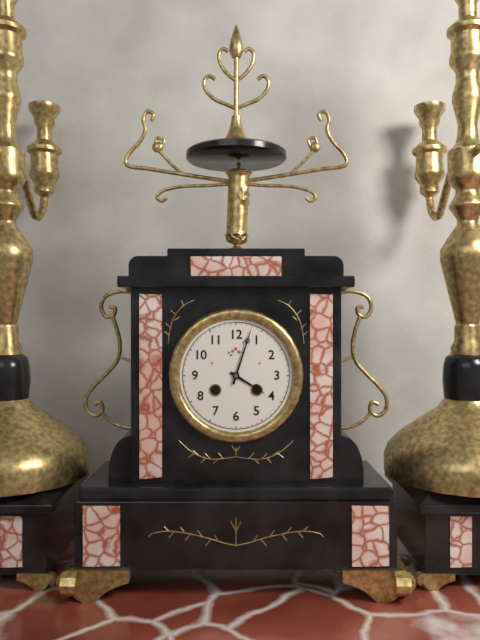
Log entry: 4:03
